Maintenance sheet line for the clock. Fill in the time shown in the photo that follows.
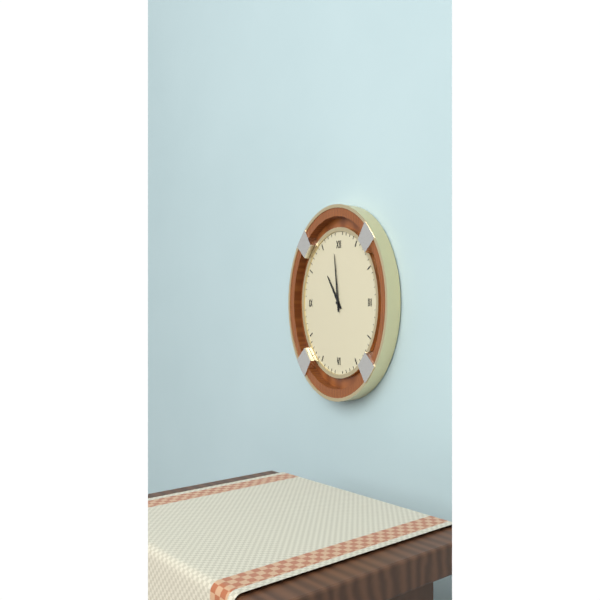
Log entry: 10:59
